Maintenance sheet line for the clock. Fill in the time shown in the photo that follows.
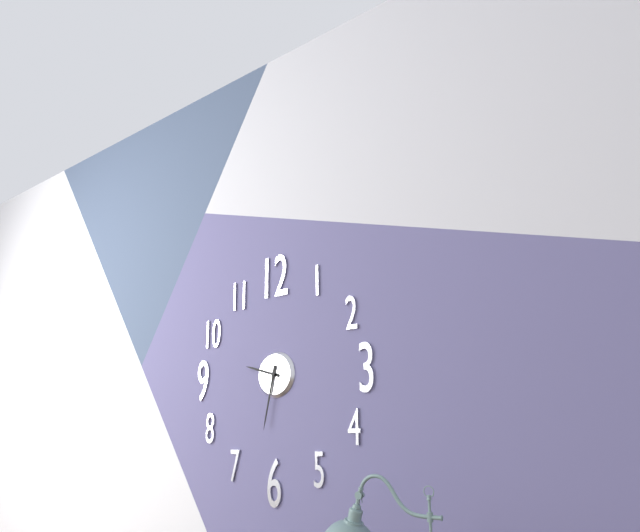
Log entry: 9:32
